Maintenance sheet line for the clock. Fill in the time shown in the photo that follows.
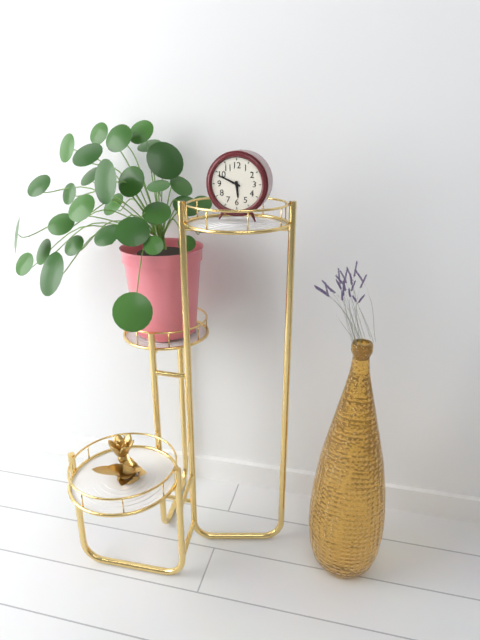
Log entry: 5:49
